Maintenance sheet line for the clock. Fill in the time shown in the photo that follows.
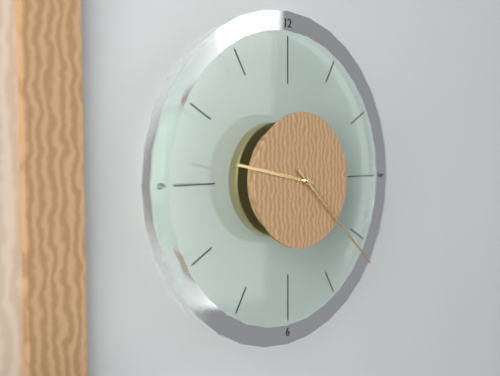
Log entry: 9:22
